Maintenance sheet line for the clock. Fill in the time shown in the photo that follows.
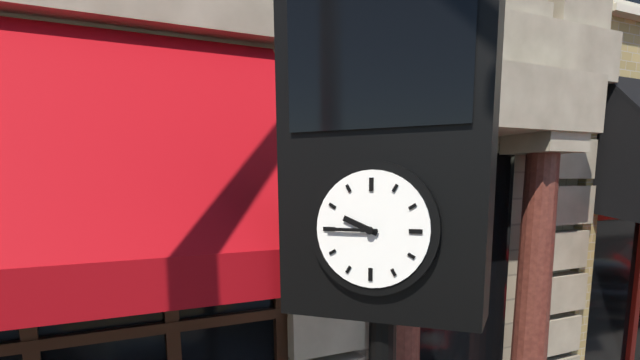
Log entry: 9:45
